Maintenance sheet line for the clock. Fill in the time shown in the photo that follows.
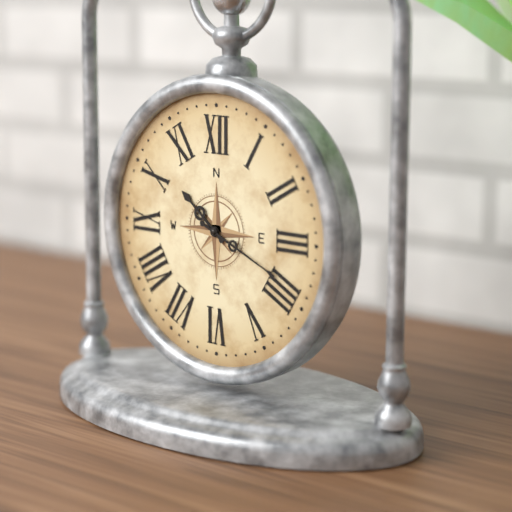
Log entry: 10:19
